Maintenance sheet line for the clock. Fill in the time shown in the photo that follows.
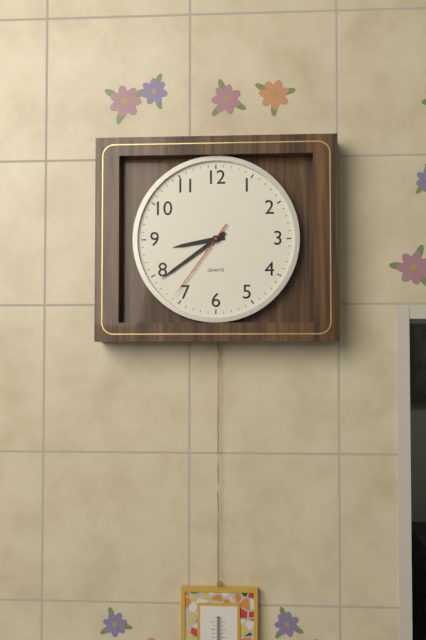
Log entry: 8:39:36
